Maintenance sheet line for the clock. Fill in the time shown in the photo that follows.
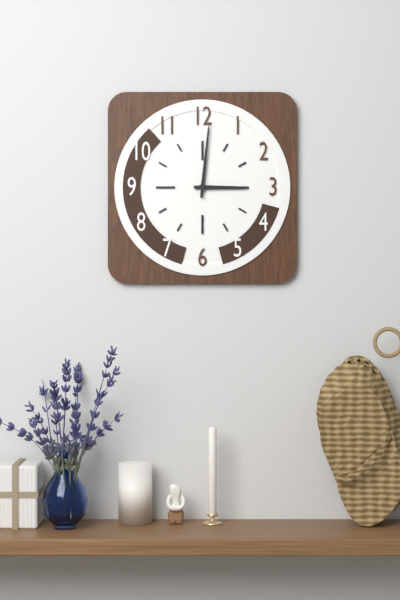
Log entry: 3:01
